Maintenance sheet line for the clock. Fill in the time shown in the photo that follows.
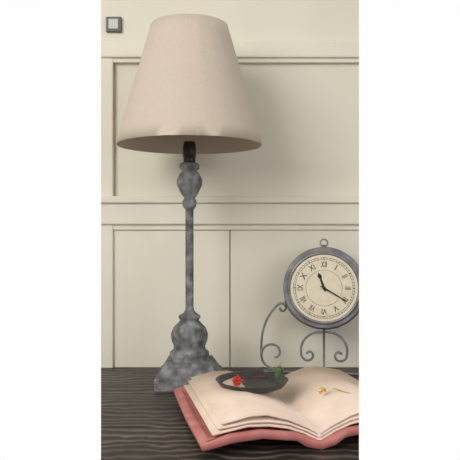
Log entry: 11:20
